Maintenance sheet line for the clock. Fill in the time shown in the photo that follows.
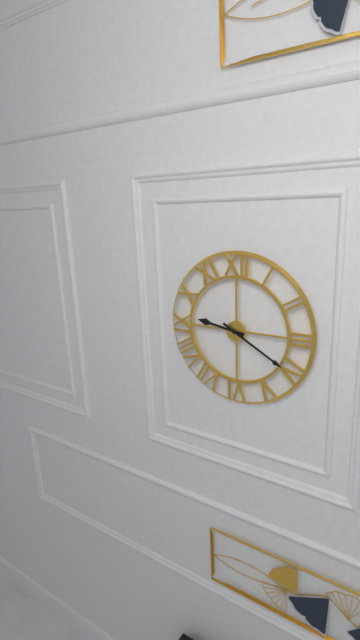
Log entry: 9:20
